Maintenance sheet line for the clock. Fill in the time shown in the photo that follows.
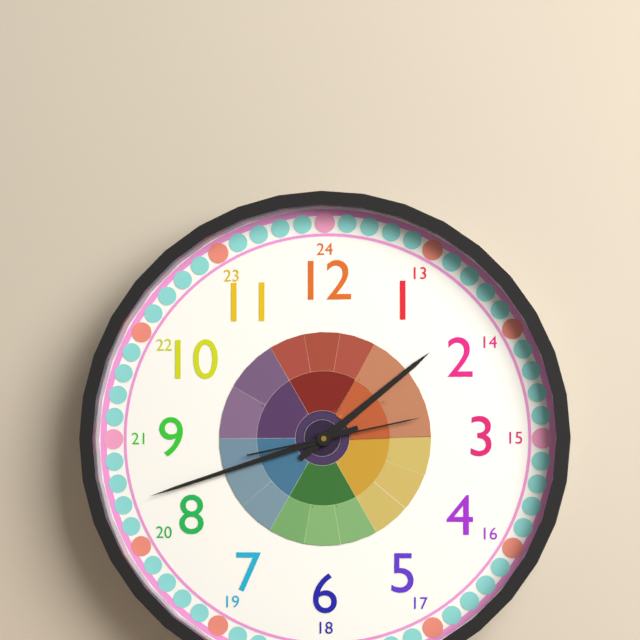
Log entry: 1:42:13
